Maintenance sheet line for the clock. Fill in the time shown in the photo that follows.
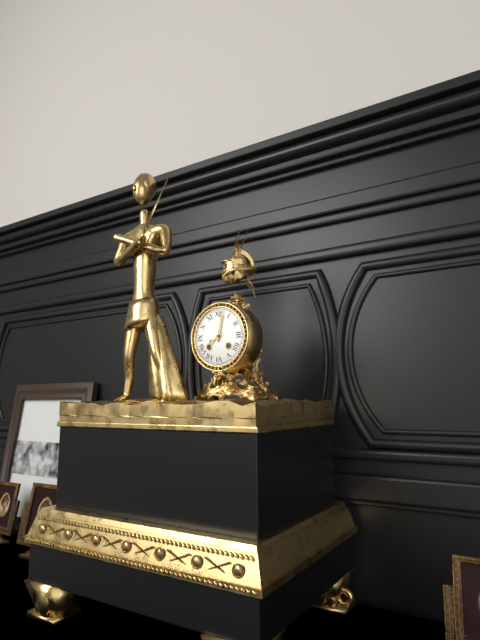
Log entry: 8:02
